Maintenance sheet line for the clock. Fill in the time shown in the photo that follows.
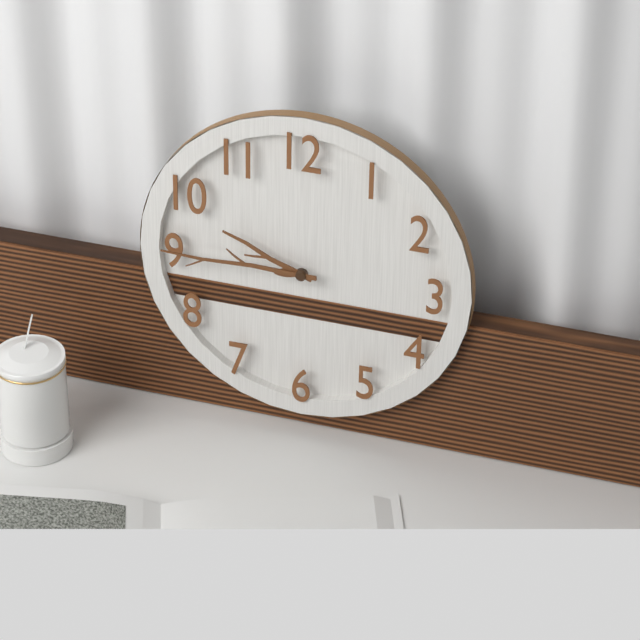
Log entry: 9:45
